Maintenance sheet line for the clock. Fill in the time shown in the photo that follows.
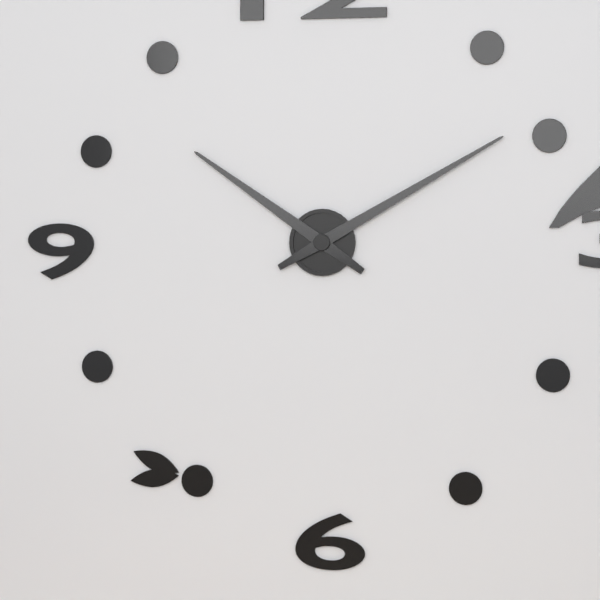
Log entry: 10:10
